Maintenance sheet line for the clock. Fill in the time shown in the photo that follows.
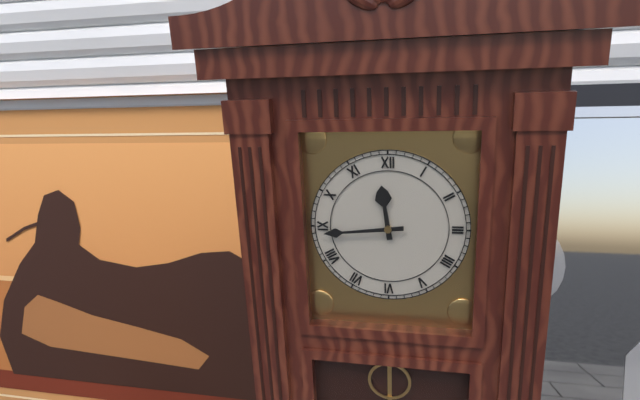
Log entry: 11:44
